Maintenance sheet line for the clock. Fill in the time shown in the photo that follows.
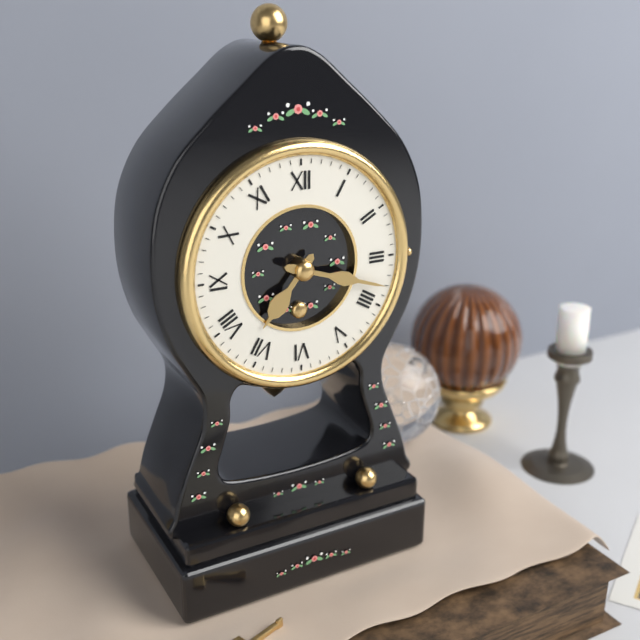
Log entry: 7:18
